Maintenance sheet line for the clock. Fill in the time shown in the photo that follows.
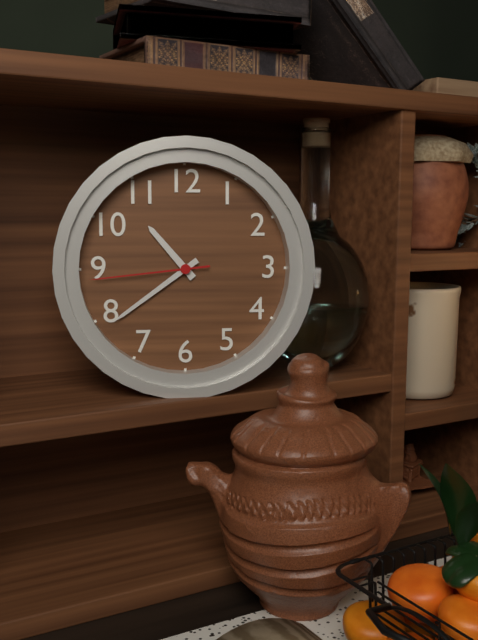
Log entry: 10:39:44
